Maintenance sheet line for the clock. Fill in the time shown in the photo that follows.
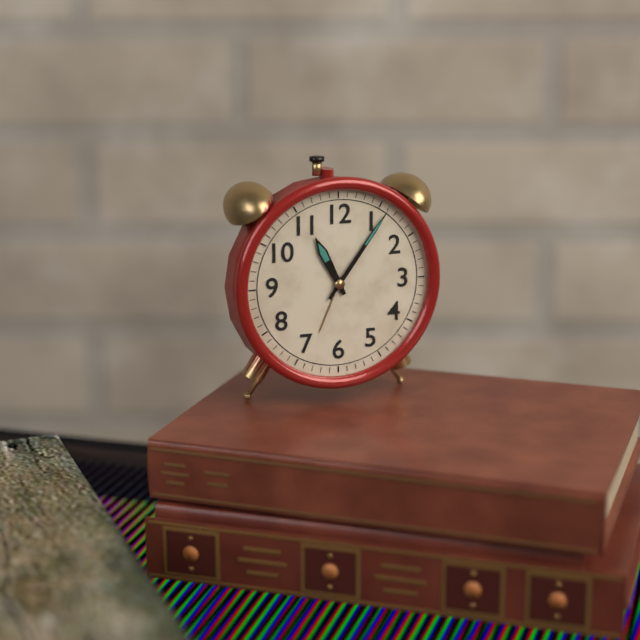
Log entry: 11:06
